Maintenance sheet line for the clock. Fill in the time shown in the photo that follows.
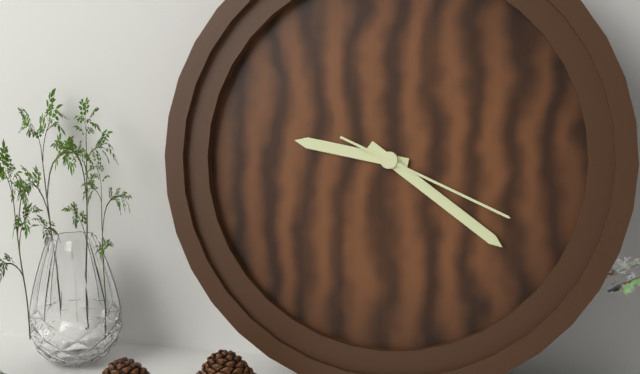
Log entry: 9:21:19
